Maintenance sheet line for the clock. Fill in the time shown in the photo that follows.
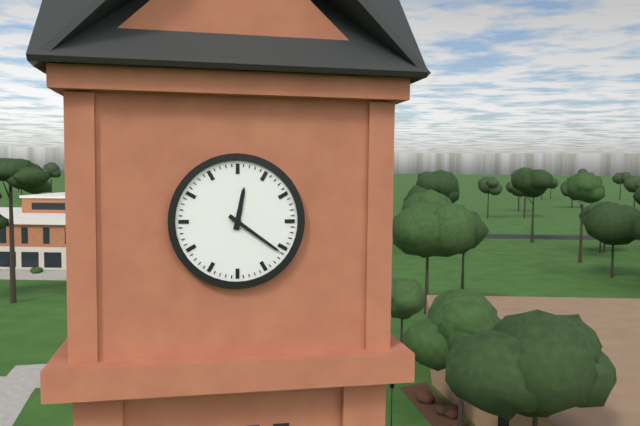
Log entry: 12:21
